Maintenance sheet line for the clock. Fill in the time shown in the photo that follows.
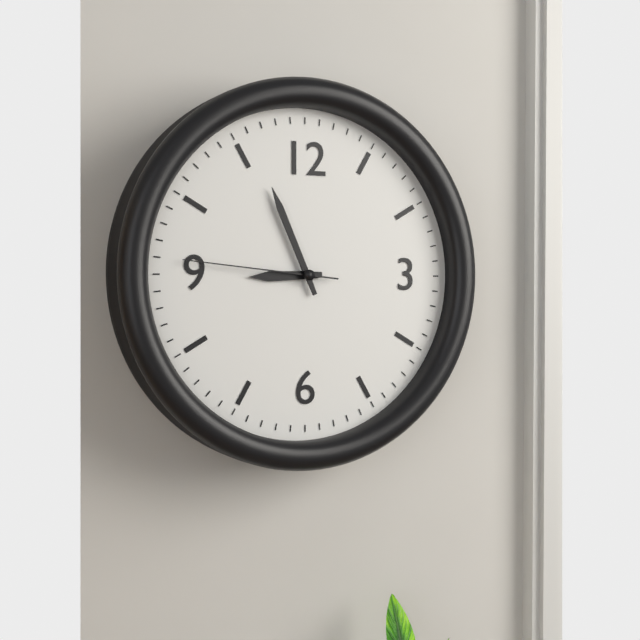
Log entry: 8:56:46
